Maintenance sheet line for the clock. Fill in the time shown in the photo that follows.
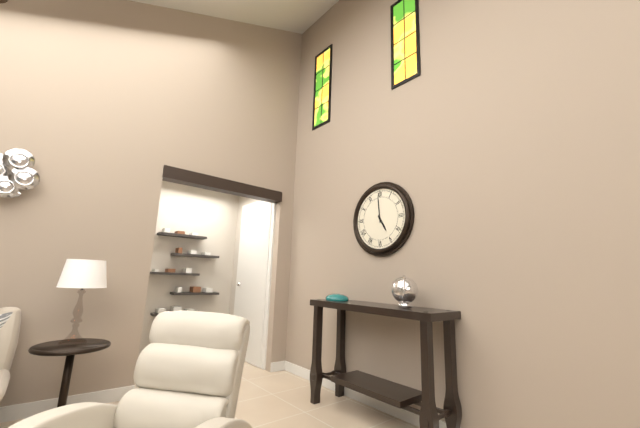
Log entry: 4:59
